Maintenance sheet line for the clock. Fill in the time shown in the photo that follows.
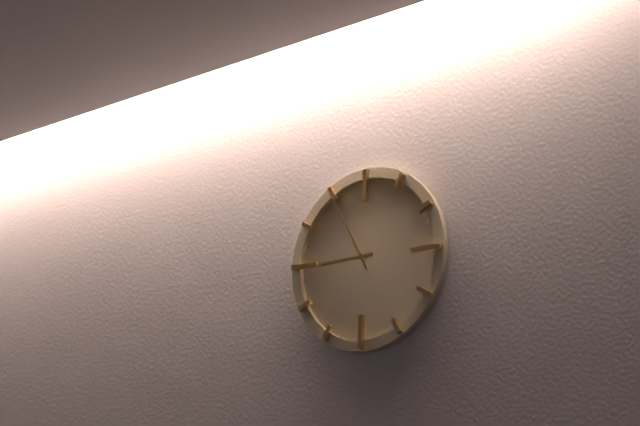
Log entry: 8:55
